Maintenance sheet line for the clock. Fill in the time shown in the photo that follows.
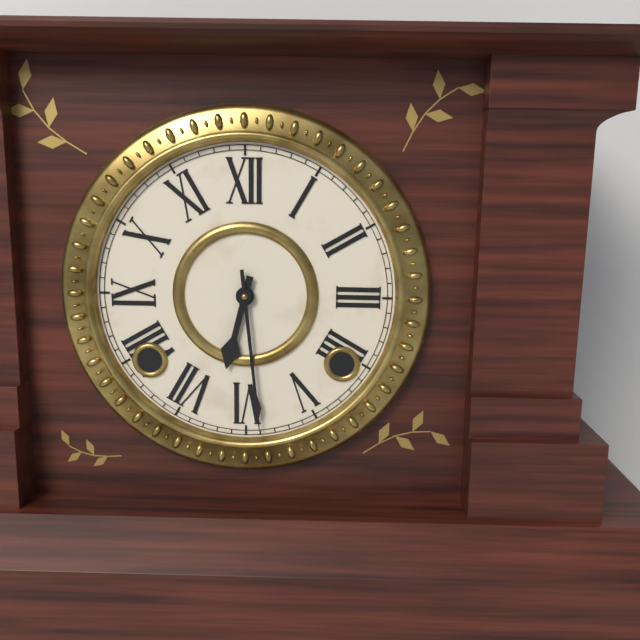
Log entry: 6:29
